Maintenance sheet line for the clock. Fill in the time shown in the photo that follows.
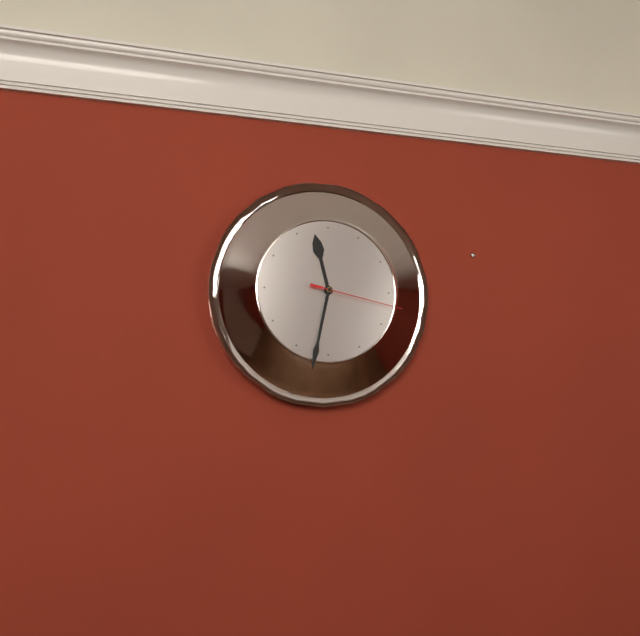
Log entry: 11:32:17
